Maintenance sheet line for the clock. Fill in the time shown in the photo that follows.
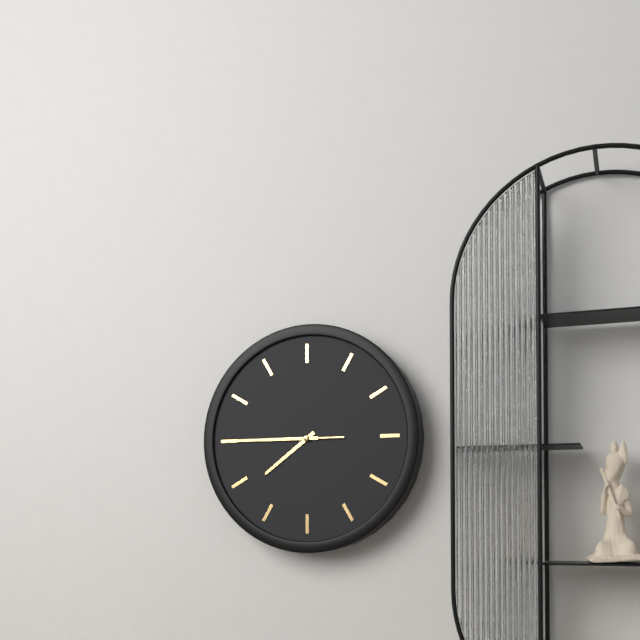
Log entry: 7:45:45
